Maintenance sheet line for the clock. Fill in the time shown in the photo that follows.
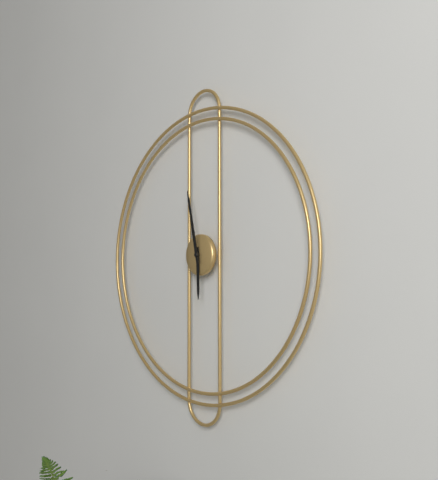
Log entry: 5:58
